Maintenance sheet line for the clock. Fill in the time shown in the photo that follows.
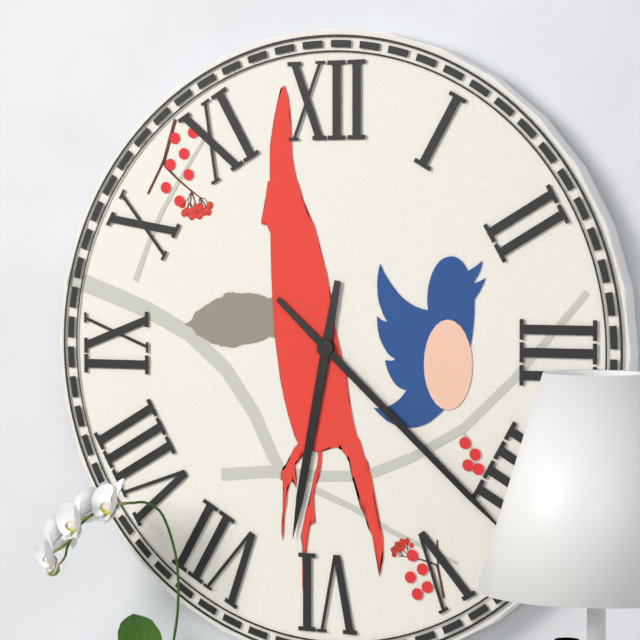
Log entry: 6:22
